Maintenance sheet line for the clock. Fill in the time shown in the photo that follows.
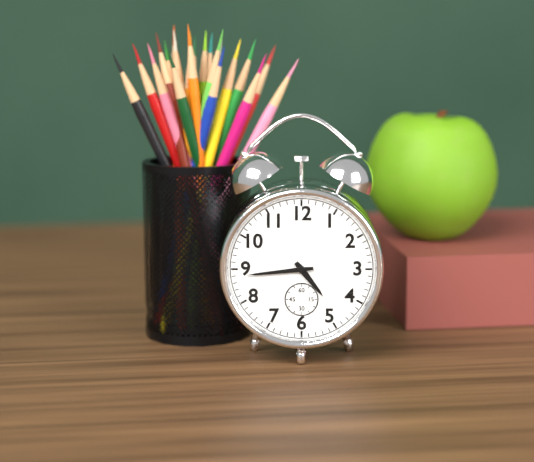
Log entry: 4:44
